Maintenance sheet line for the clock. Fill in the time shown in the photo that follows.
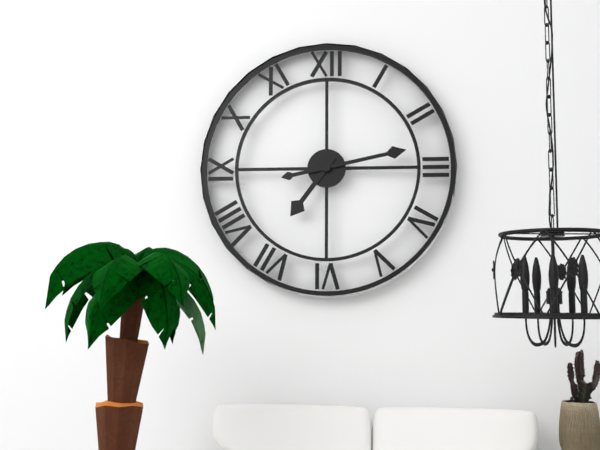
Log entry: 7:13
